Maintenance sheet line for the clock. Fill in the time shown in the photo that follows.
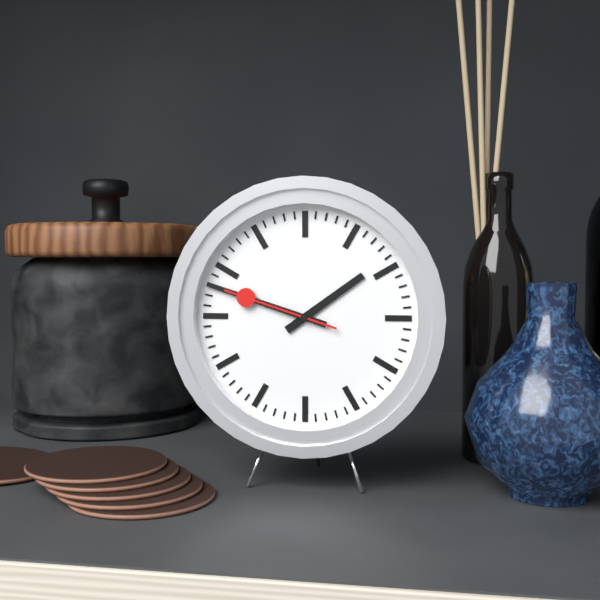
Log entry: 1:48:48
